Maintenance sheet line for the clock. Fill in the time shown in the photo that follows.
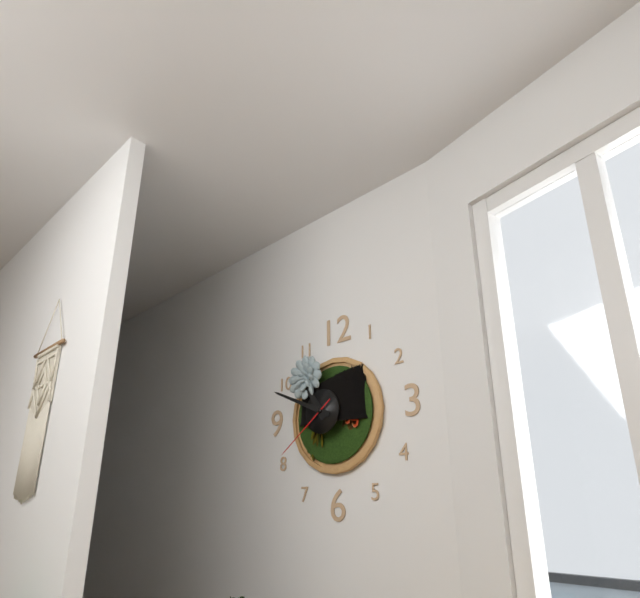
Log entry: 10:49:39
